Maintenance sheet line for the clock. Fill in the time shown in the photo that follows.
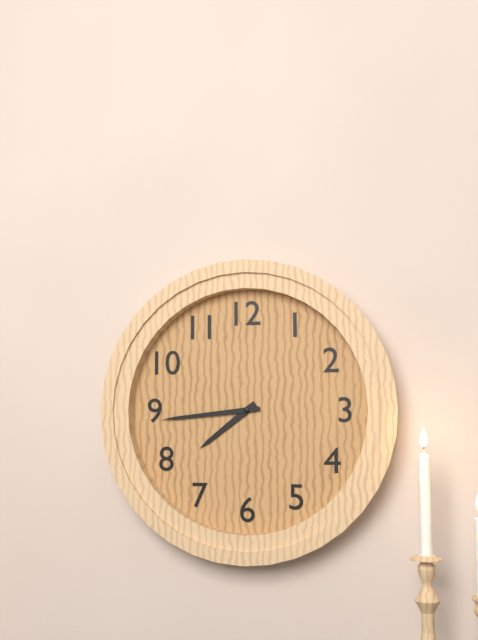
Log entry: 7:44
